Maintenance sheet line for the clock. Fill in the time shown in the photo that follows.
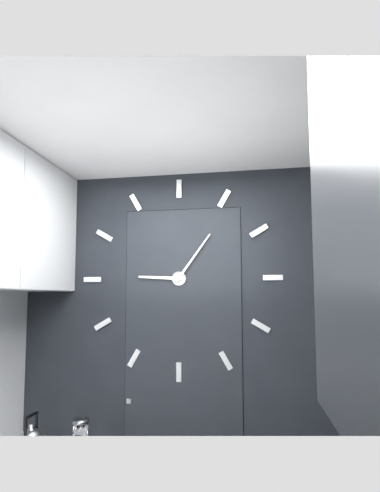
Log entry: 9:06
